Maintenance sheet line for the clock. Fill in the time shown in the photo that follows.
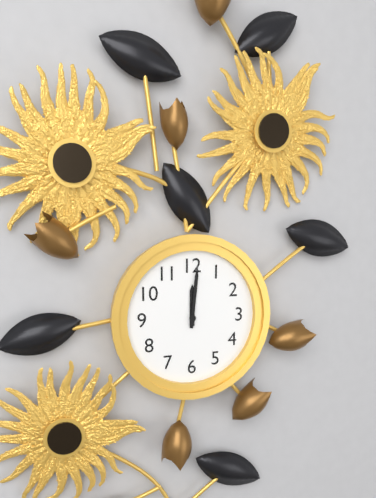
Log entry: 12:01
